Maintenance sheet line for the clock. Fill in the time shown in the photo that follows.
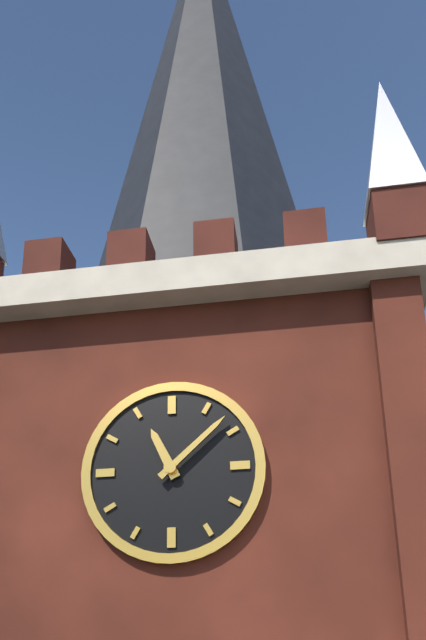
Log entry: 11:08
